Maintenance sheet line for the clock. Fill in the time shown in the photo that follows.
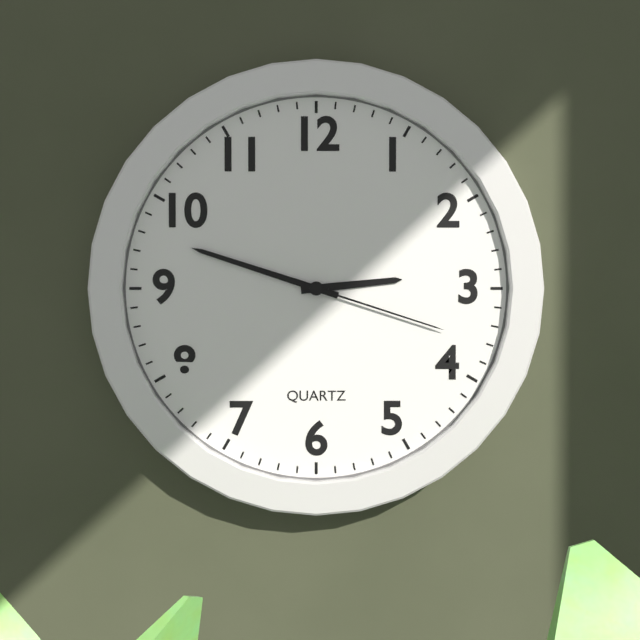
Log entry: 2:48:18
